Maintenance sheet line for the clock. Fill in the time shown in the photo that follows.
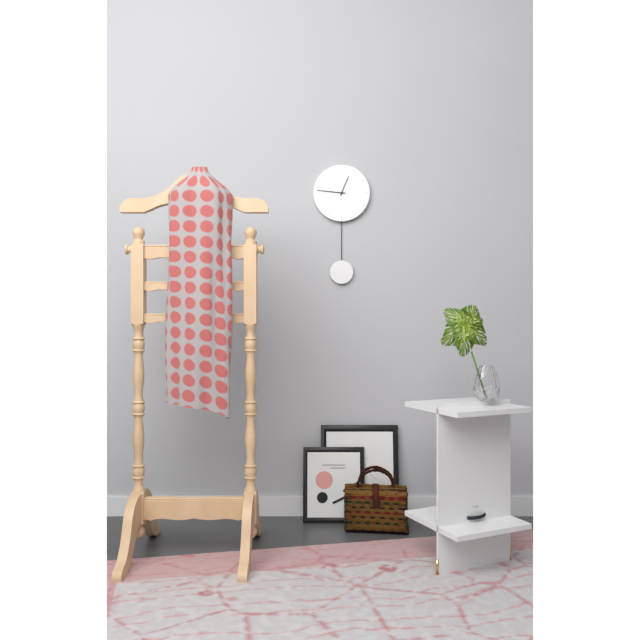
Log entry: 12:46
